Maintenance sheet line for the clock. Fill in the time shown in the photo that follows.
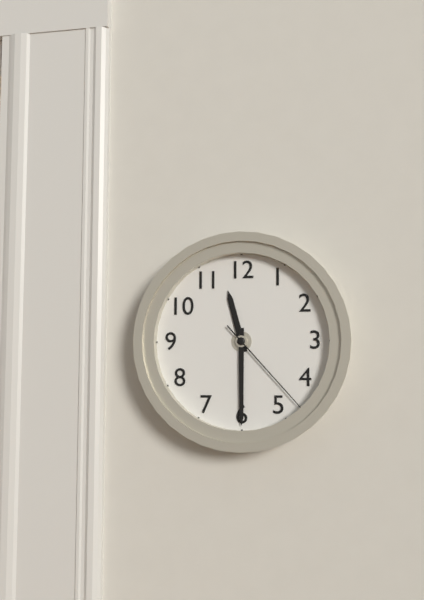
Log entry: 11:30:23
